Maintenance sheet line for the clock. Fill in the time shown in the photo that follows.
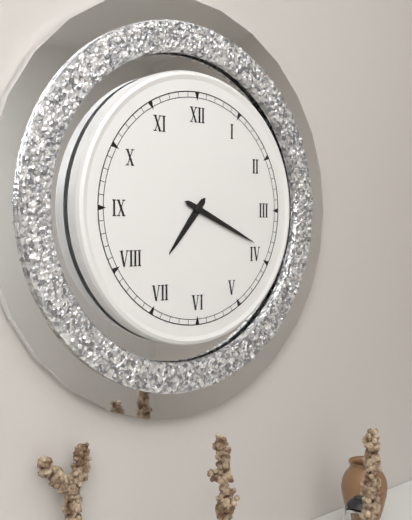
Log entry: 7:19
